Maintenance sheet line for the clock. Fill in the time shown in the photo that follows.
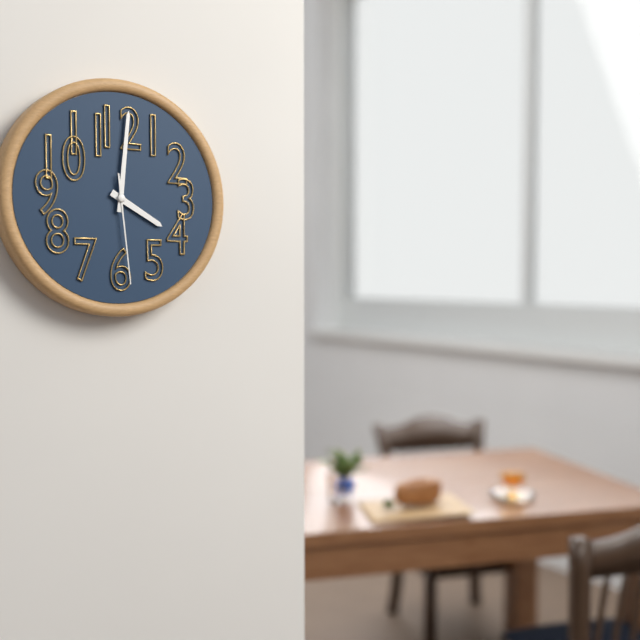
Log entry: 4:01:29
